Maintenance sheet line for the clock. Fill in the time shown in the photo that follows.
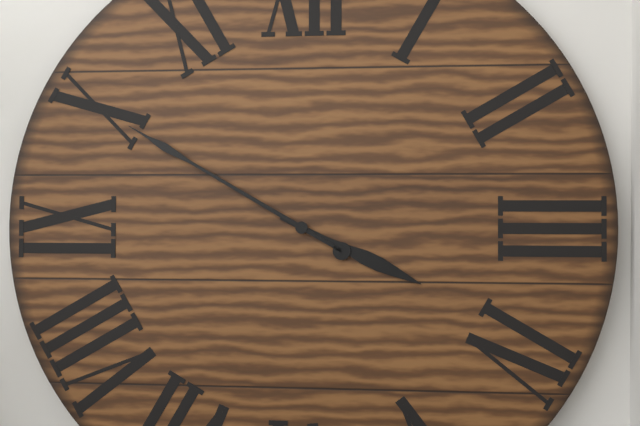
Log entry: 3:50
